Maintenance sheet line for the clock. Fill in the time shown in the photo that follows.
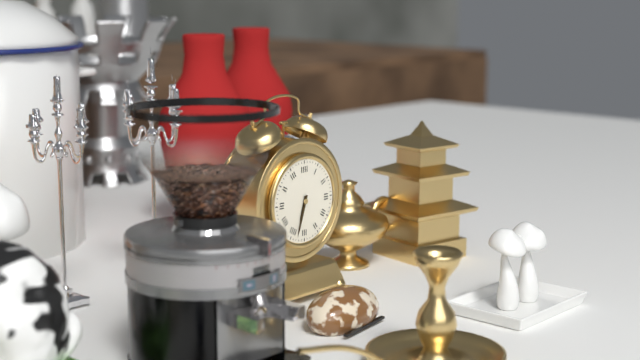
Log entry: 6:33
